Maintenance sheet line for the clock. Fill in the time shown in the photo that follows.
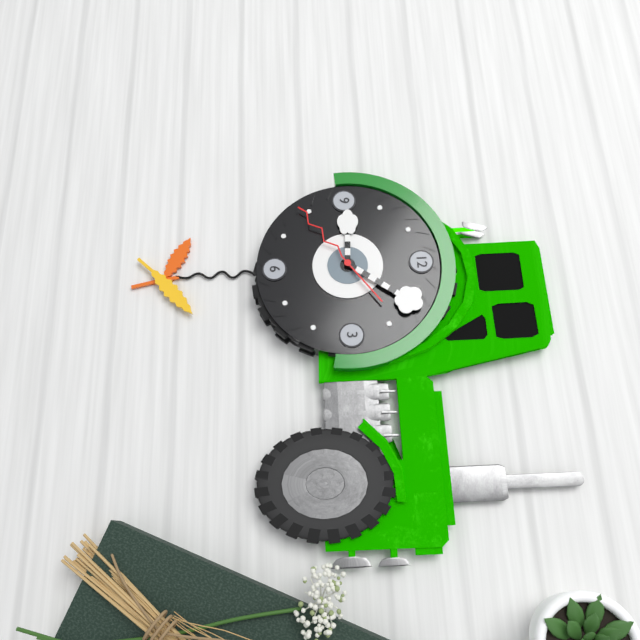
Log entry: 9:06:39
